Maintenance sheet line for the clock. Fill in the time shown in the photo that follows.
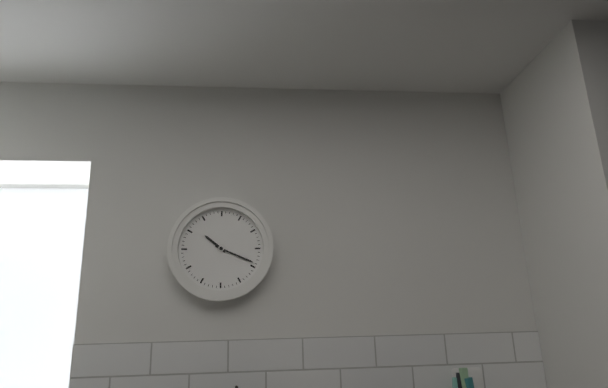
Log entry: 10:19
